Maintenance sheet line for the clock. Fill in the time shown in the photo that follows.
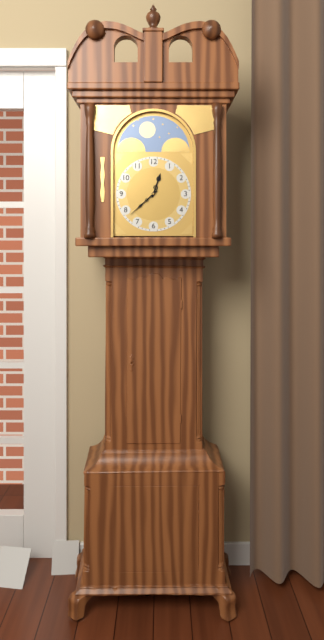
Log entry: 12:38
